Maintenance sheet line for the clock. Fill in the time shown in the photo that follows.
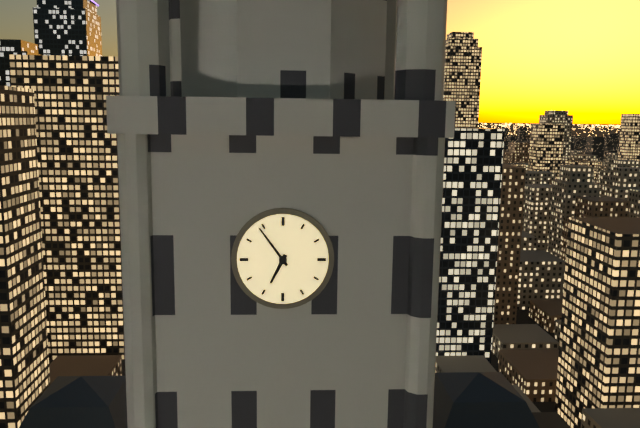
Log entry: 6:54
